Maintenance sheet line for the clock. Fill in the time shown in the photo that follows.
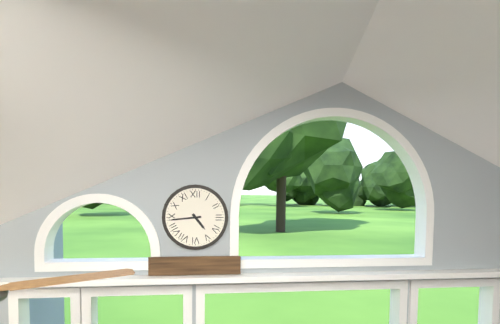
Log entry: 4:44
